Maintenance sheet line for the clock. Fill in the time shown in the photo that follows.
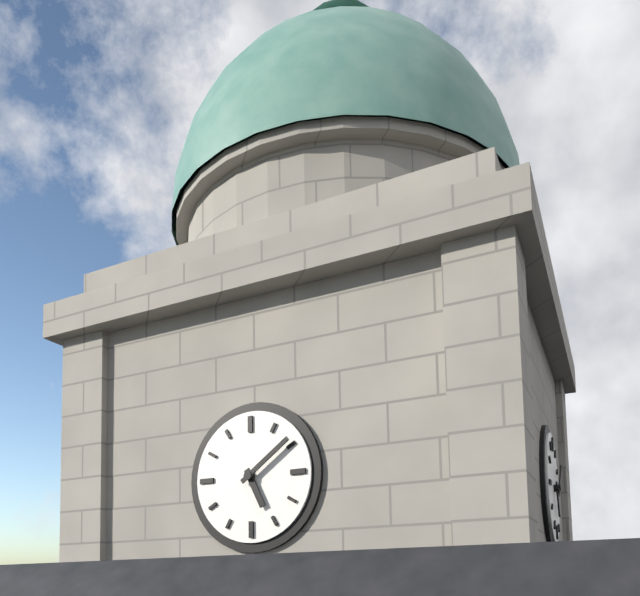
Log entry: 5:09
